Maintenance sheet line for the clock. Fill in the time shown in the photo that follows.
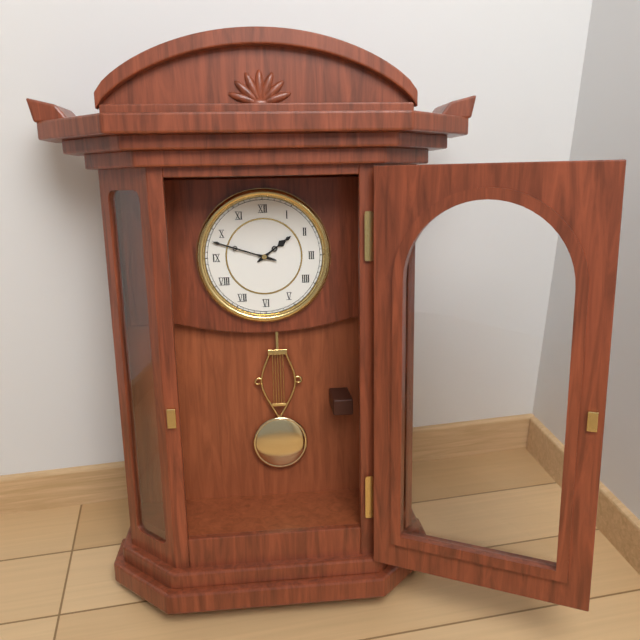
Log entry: 1:48
